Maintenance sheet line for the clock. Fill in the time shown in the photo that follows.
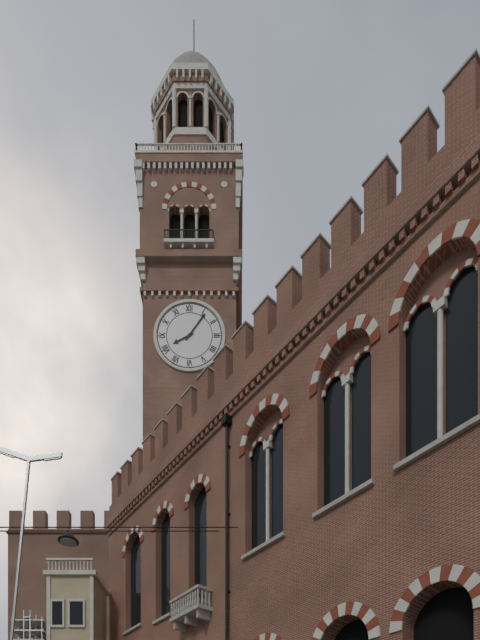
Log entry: 8:06
